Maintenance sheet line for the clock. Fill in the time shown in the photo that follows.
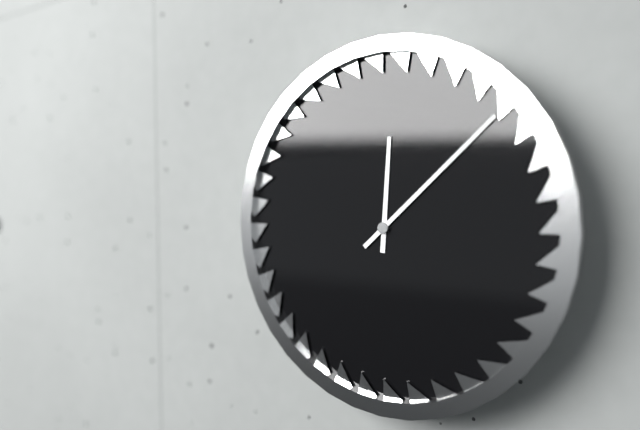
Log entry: 12:08
